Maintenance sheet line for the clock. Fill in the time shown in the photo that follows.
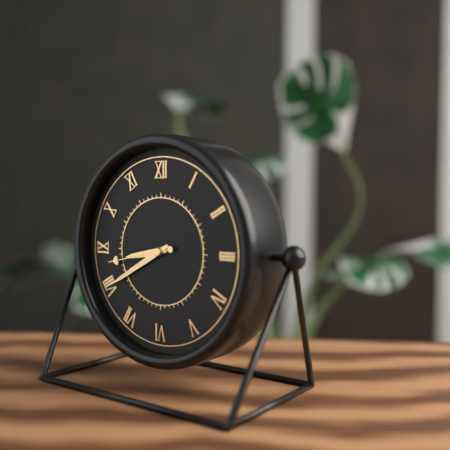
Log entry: 8:40:43
